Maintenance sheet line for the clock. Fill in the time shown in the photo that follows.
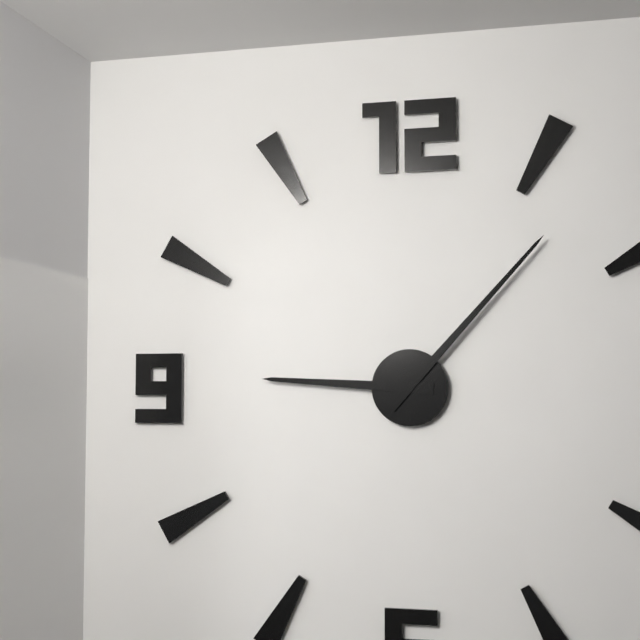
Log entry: 9:07
